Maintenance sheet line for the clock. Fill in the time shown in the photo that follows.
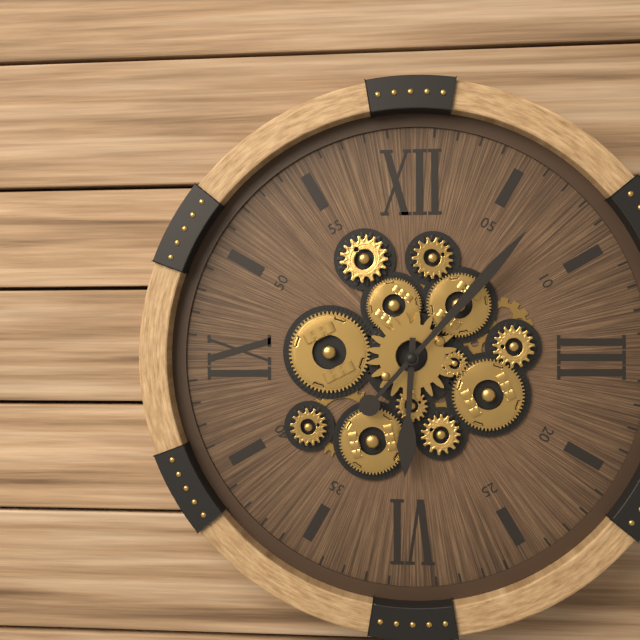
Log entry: 6:07
